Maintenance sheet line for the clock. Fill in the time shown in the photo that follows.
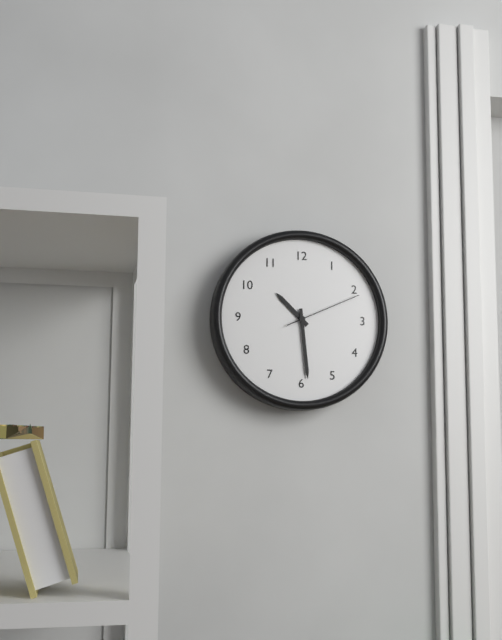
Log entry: 10:29:11
